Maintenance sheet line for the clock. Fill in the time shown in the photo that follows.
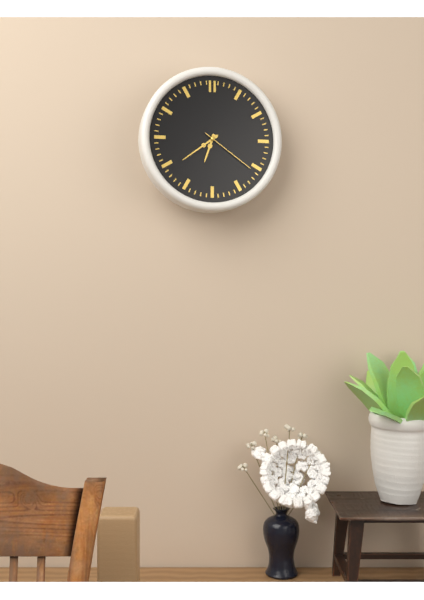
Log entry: 6:39:21
